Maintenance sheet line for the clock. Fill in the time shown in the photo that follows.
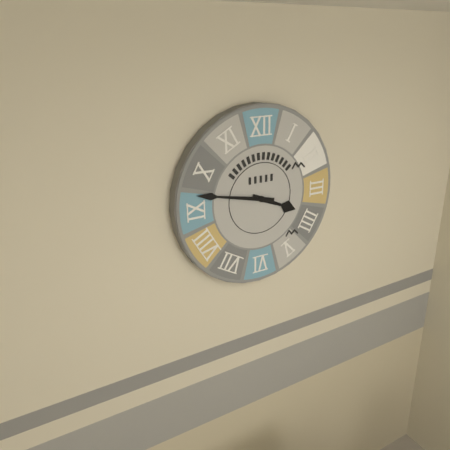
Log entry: 3:47
